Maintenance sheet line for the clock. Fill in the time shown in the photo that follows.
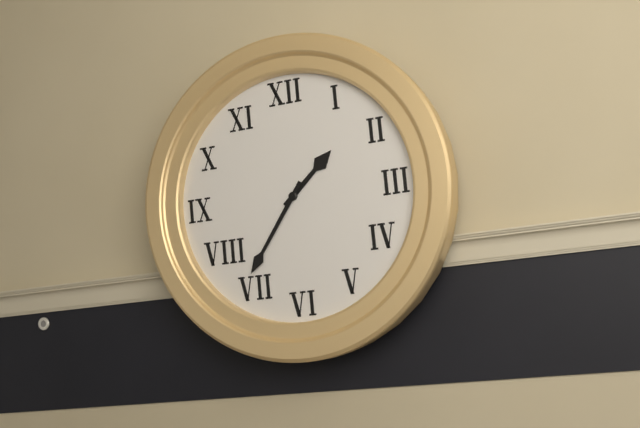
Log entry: 1:36
